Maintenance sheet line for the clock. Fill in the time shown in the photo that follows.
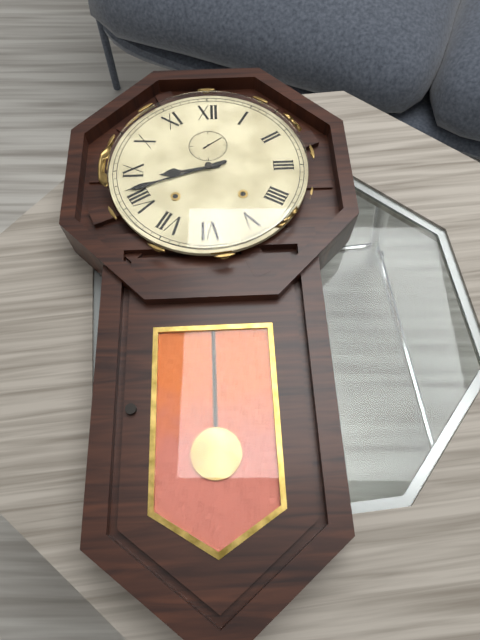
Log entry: 8:42:09
